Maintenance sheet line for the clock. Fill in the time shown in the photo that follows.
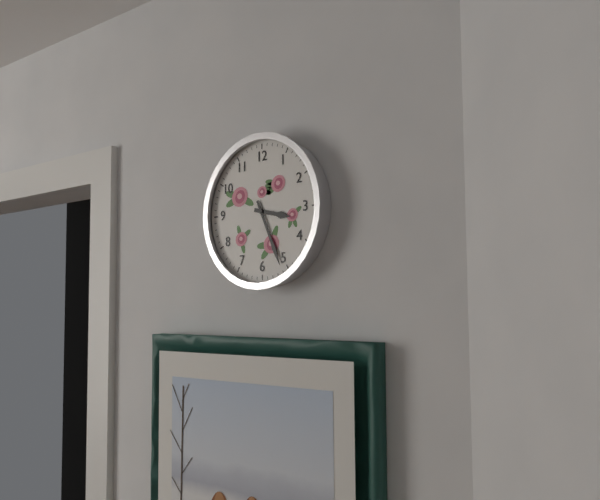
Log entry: 3:26
